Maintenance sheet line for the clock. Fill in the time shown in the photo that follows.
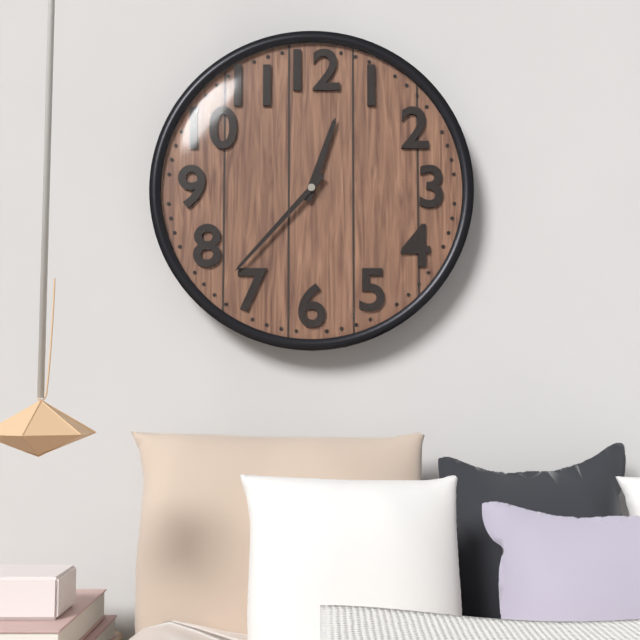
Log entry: 12:37
